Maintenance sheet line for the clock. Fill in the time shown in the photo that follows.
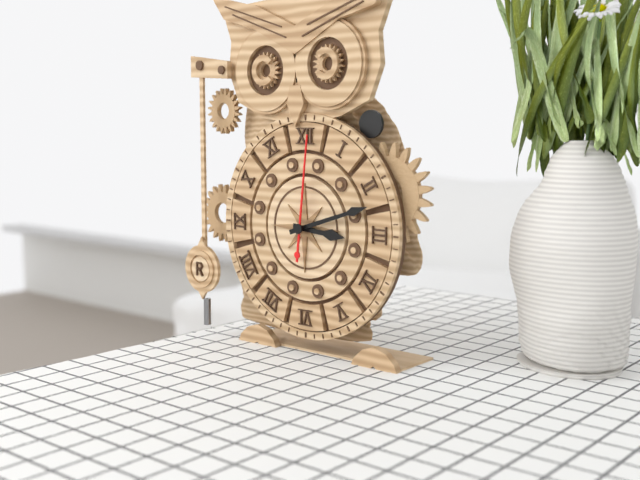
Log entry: 3:12:01
